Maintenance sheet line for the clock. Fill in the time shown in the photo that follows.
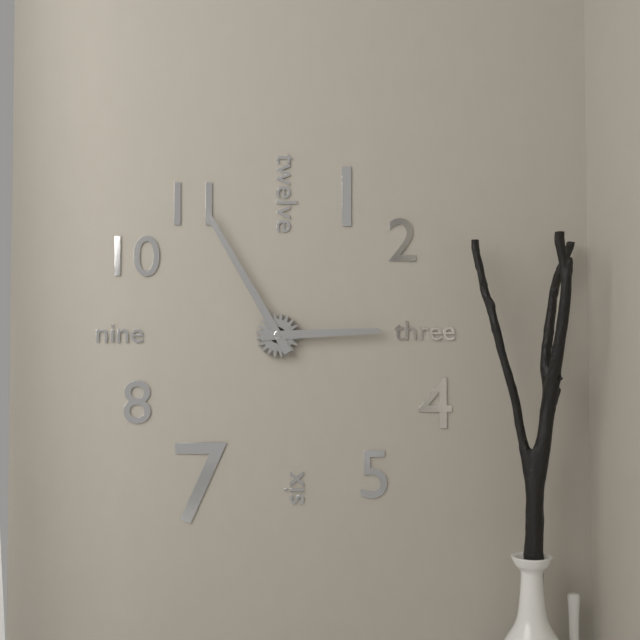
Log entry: 2:55
